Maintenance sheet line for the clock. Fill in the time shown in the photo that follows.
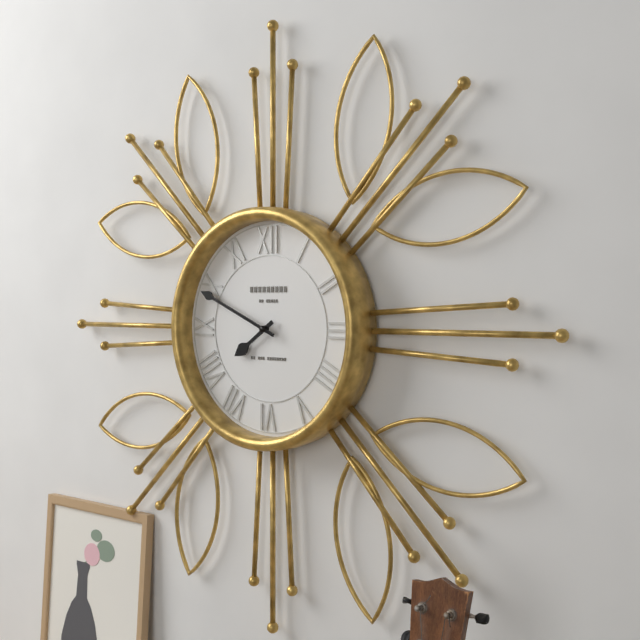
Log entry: 7:49
